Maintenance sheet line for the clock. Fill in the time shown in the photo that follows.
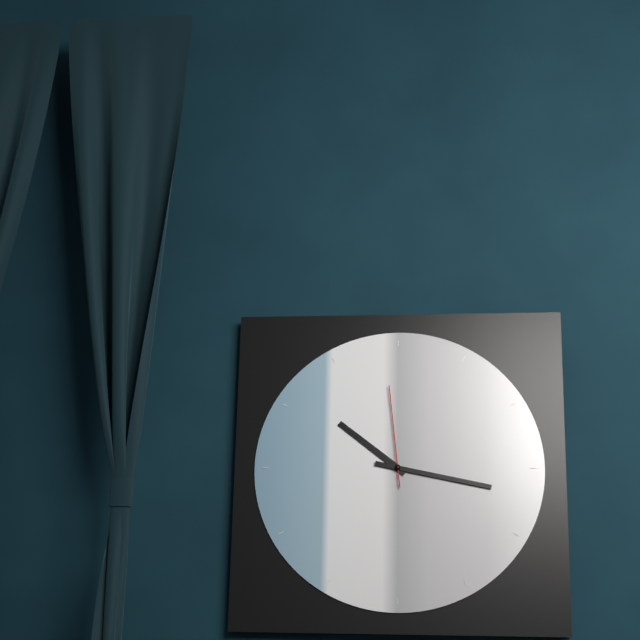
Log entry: 10:17:59
